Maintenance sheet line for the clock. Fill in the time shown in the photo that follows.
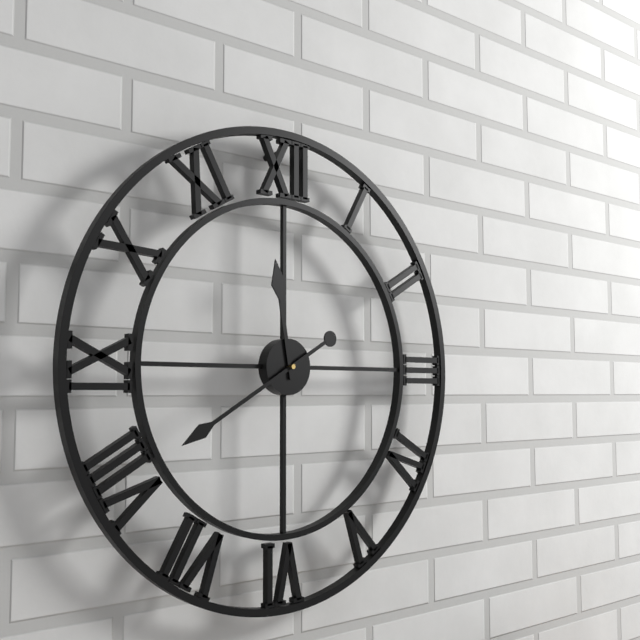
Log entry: 11:40
